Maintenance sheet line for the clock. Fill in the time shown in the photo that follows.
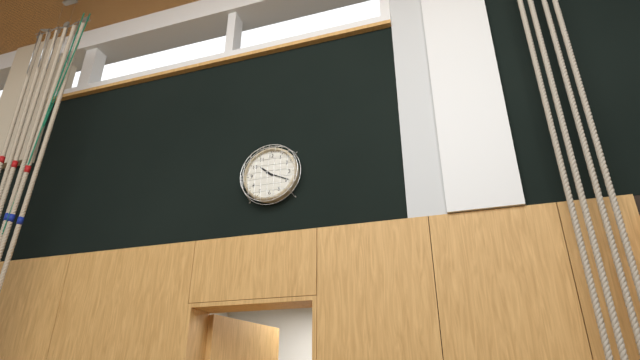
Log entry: 10:19
